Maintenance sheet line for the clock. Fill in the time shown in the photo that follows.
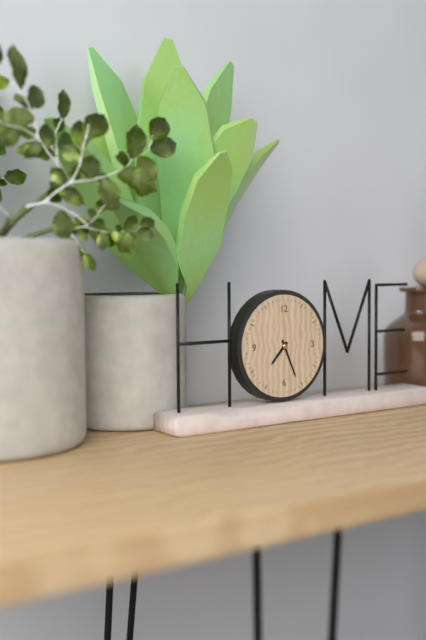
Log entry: 7:26
